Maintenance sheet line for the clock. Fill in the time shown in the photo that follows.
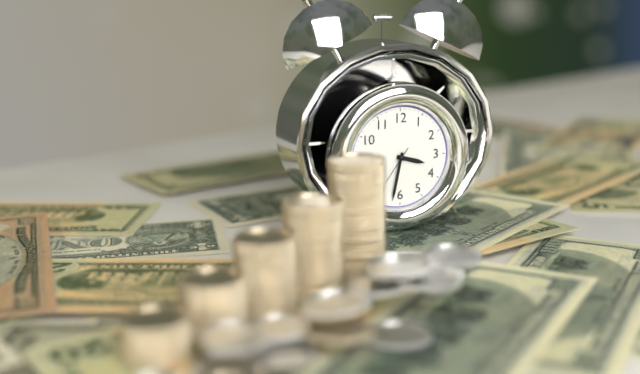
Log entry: 3:32
